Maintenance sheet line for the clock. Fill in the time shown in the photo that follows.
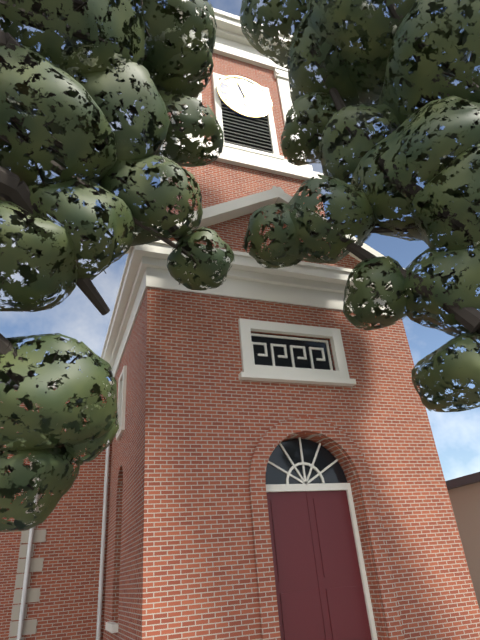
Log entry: 5:57
